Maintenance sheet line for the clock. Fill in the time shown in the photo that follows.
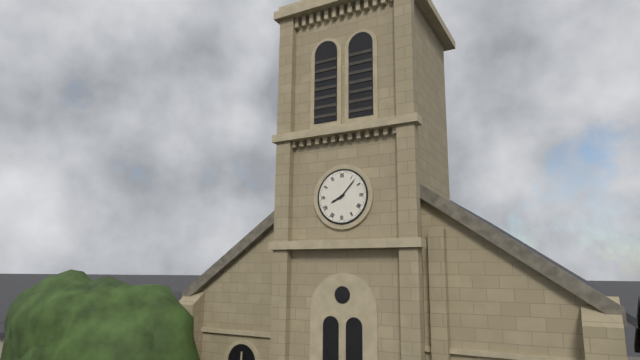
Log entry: 8:07
